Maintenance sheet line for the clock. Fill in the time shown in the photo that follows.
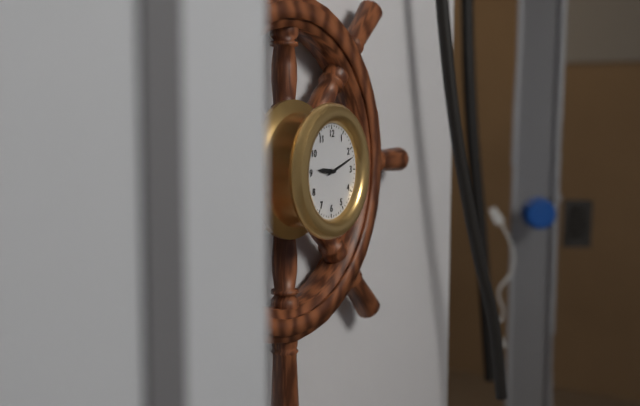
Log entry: 9:12
